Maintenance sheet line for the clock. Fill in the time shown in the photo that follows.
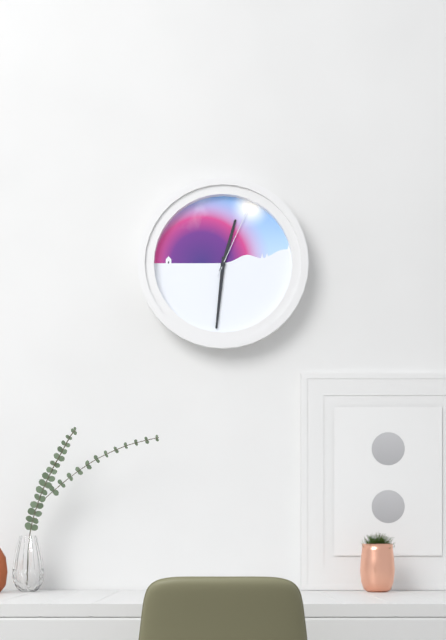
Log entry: 12:31:04
